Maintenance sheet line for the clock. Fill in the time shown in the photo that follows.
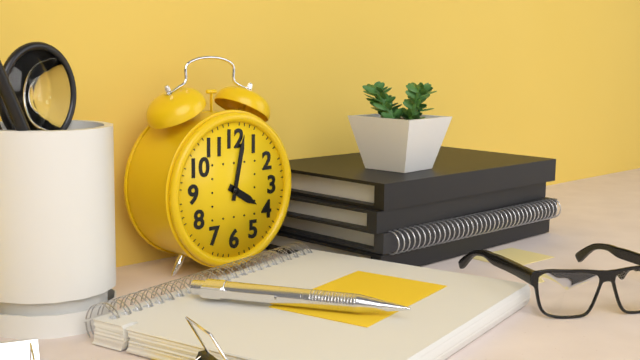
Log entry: 4:02
